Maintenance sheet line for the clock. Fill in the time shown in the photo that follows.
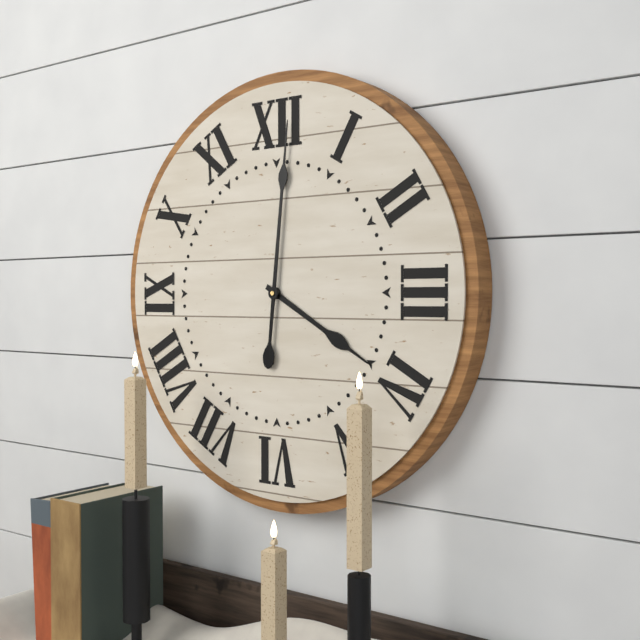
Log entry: 4:01
